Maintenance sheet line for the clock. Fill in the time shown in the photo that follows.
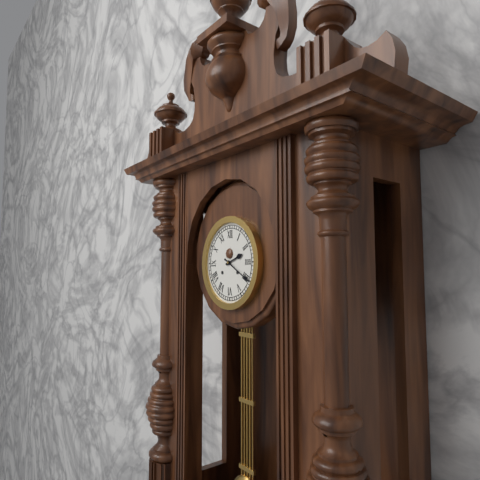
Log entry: 2:20
